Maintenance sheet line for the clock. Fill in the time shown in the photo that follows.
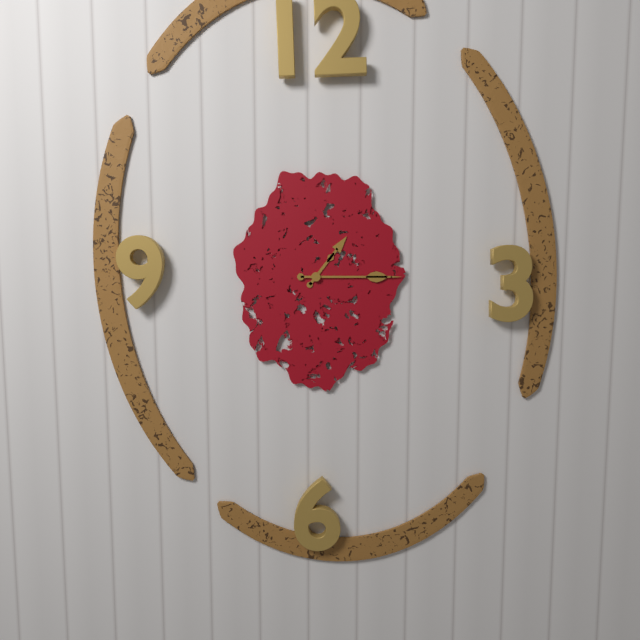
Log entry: 1:15
